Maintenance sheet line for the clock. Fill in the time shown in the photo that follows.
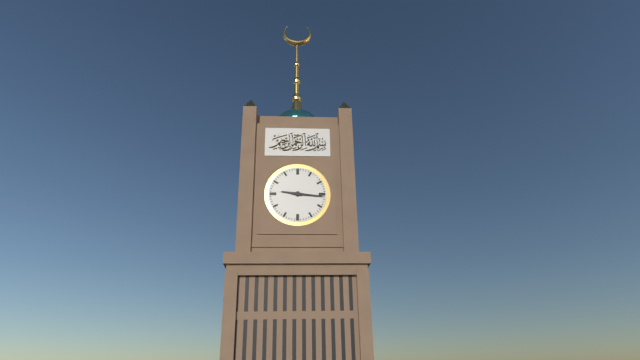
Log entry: 9:16
